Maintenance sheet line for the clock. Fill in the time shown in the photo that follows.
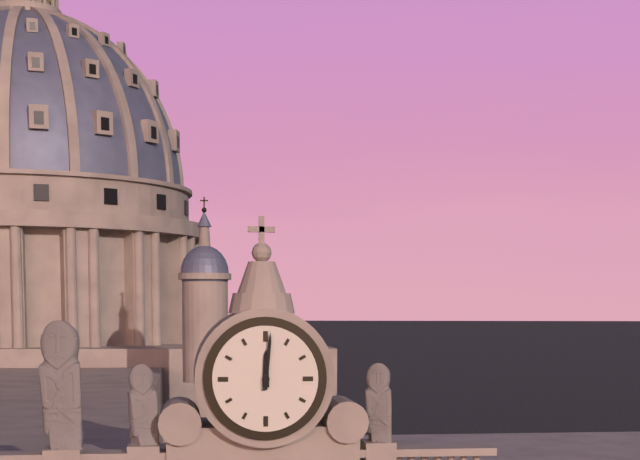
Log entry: 12:01
